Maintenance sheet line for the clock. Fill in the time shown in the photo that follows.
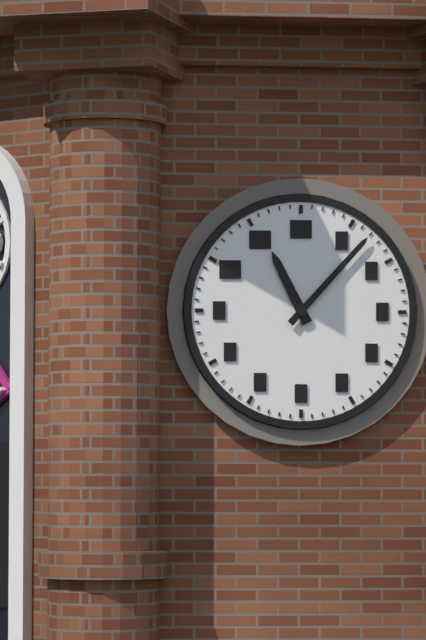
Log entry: 11:07
